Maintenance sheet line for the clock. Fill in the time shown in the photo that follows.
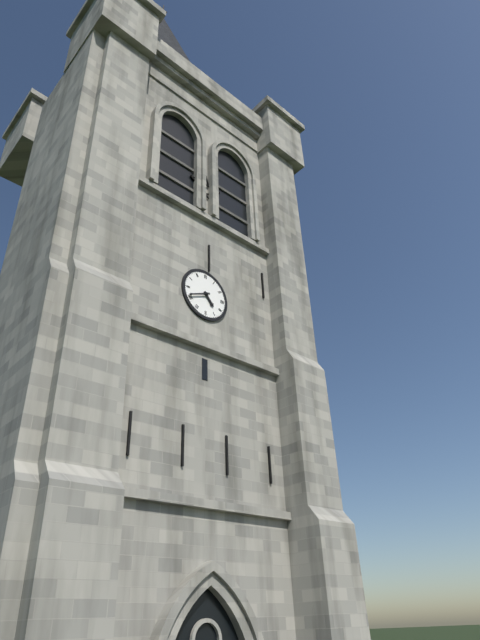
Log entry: 4:41
